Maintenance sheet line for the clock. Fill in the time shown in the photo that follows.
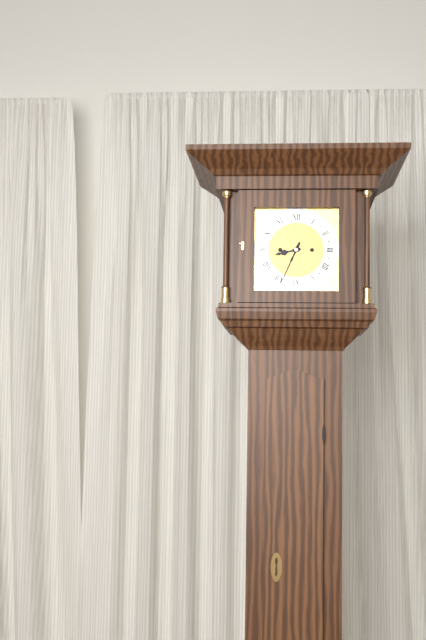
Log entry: 8:34
